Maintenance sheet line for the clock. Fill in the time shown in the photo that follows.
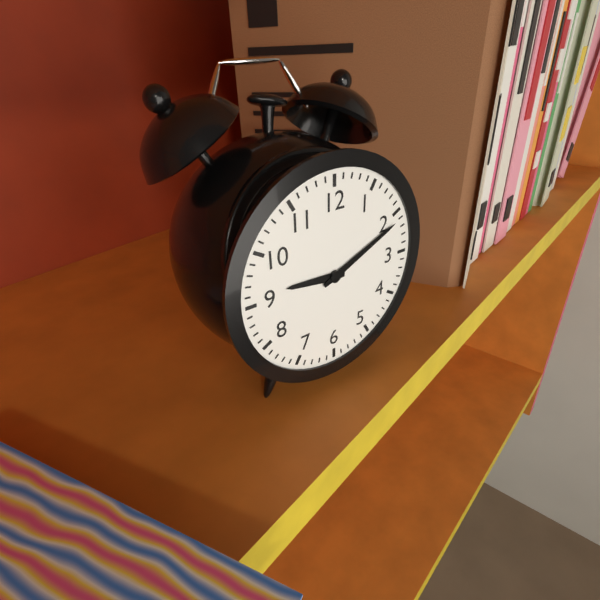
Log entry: 9:11
